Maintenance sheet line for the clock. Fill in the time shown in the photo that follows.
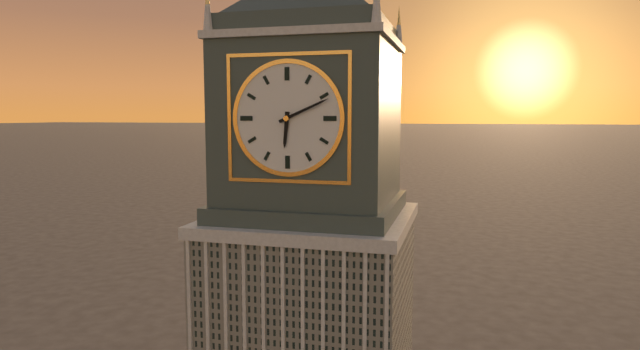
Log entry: 6:11
